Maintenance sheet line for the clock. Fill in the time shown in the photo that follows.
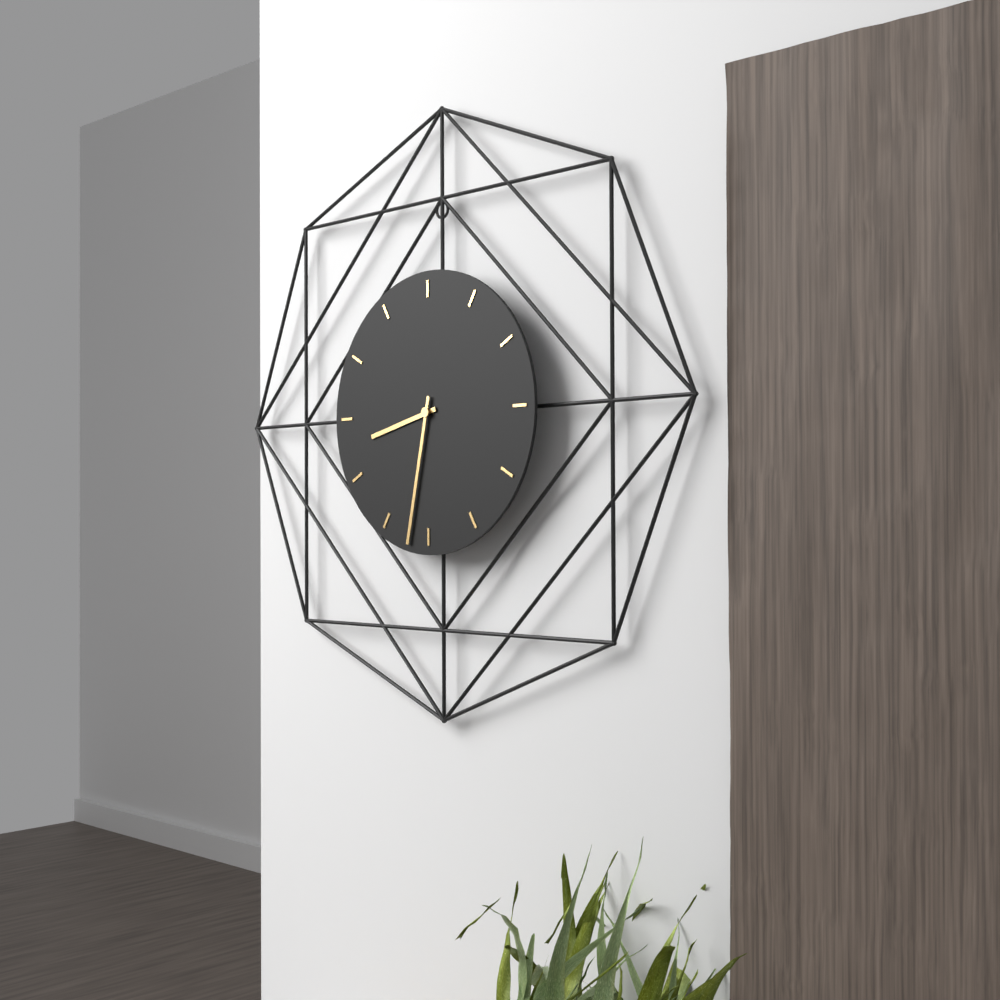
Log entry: 8:32
